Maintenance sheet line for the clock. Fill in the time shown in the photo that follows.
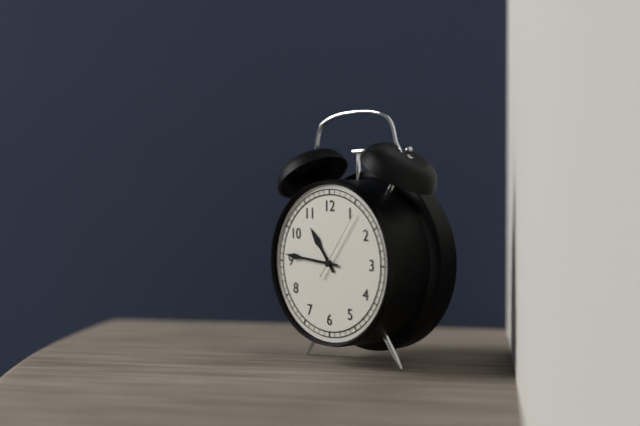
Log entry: 10:46:06
